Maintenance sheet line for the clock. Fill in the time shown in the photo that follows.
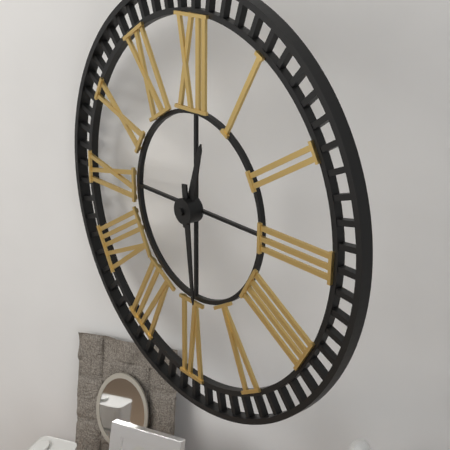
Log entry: 12:29
